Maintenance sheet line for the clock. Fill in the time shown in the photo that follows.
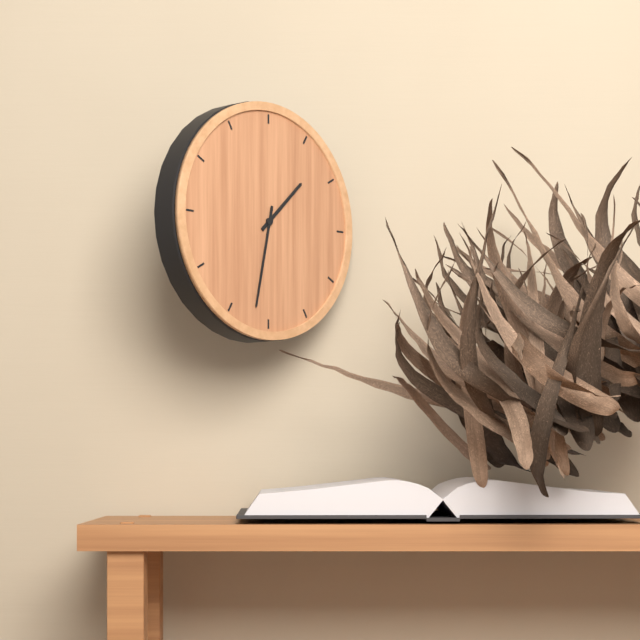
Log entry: 1:32
